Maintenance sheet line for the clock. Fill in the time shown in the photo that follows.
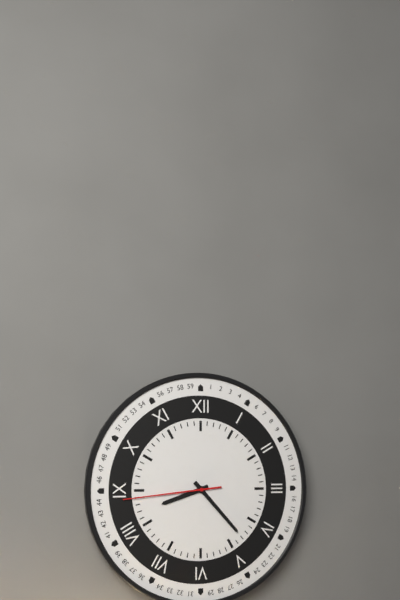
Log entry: 8:23:44
